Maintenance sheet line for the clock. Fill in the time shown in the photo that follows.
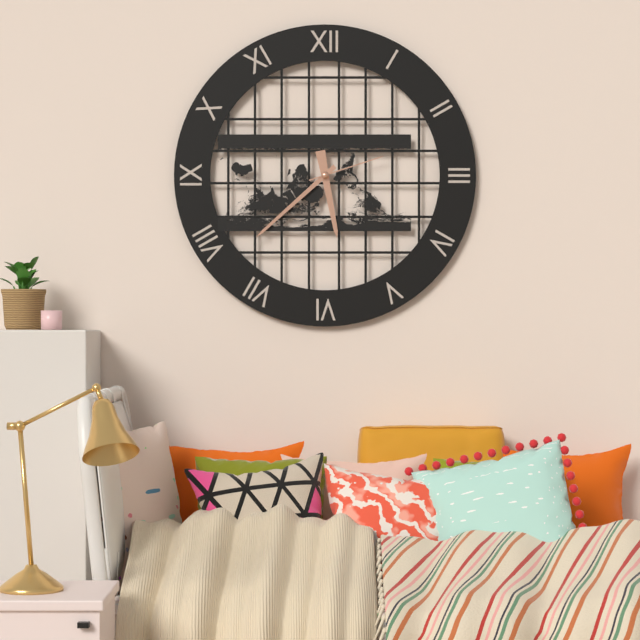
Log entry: 5:38:12
